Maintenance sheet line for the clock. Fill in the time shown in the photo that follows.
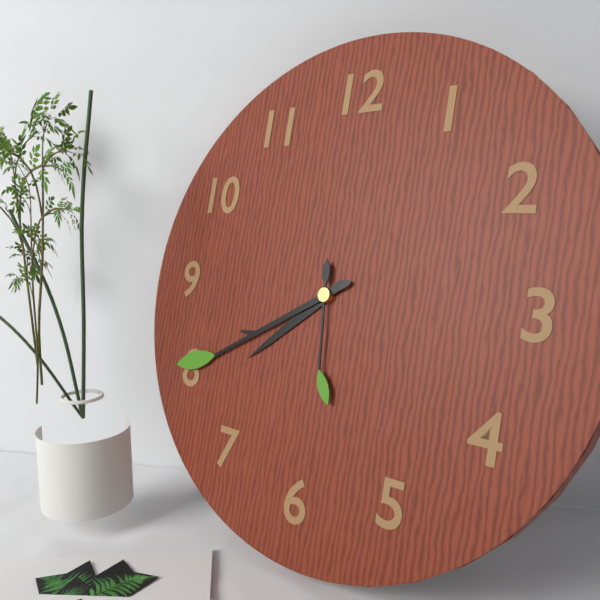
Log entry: 7:40:29
